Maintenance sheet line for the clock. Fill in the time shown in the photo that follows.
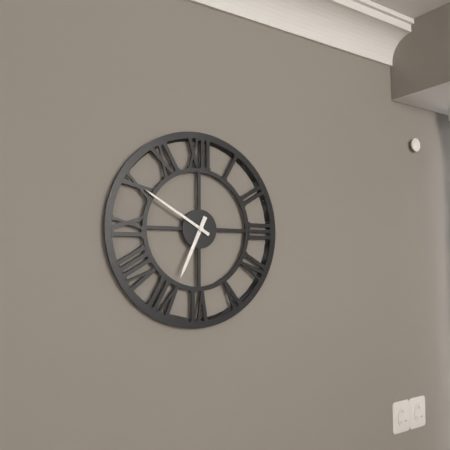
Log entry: 6:50
